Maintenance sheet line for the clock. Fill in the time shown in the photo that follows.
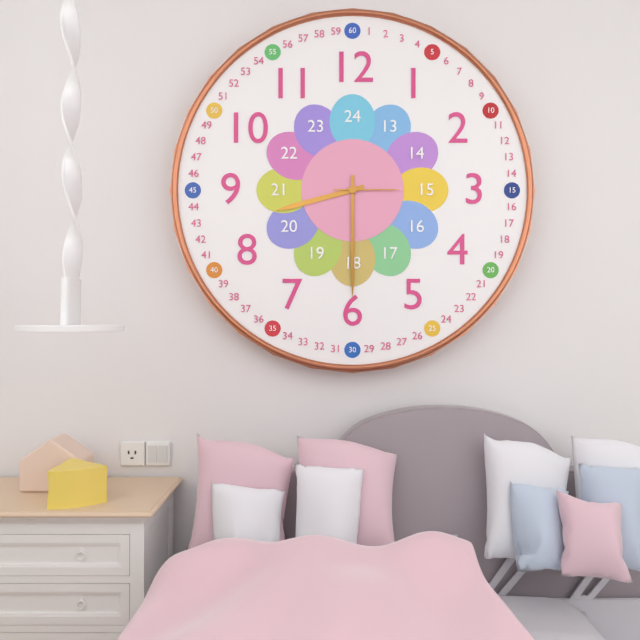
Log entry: 8:30:15
